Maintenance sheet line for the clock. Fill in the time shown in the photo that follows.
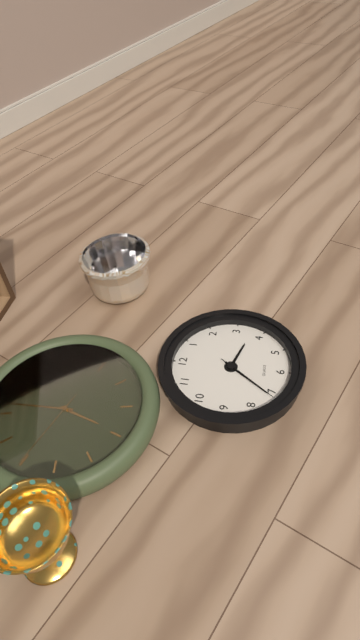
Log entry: 3:36:36
